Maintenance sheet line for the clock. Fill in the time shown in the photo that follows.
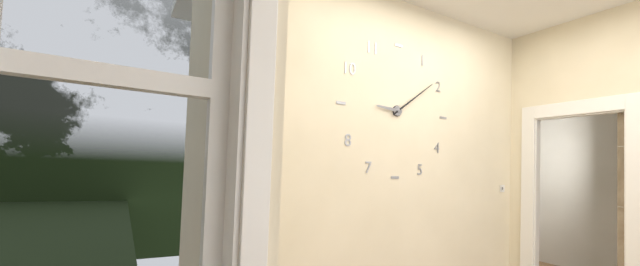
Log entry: 9:09
